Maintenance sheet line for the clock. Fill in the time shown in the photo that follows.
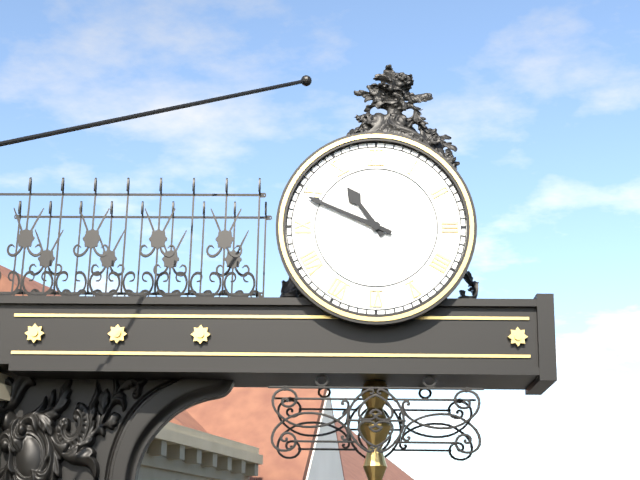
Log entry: 10:49
